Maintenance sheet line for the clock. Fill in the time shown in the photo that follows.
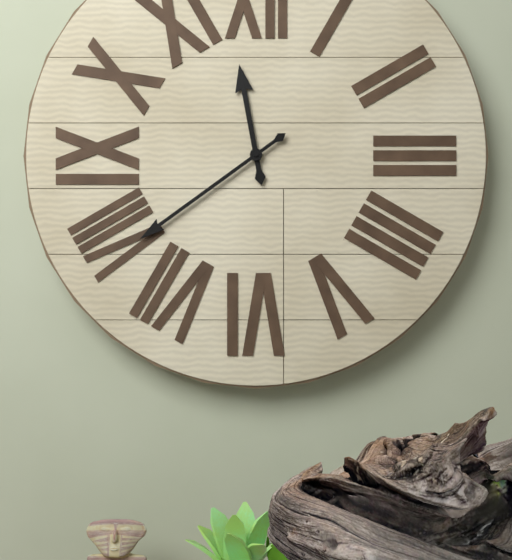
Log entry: 11:39
